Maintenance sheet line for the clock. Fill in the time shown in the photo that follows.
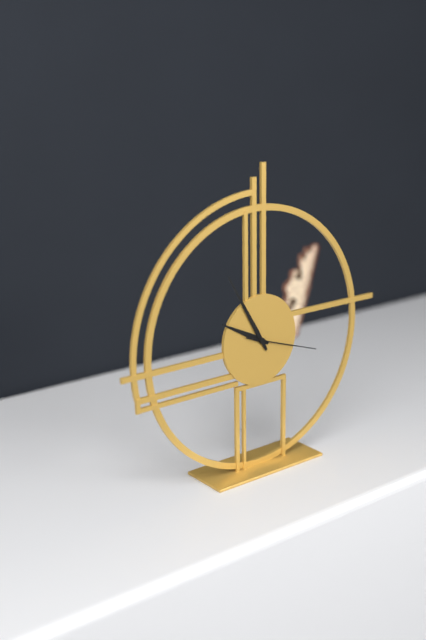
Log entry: 9:55:18
